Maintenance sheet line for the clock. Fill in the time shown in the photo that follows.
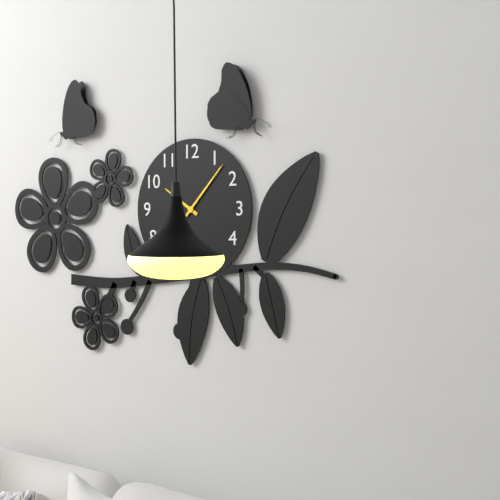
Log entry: 10:07
